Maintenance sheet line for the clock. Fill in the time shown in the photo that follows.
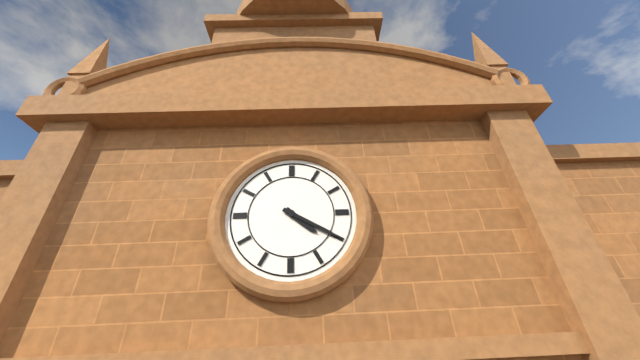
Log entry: 4:20
